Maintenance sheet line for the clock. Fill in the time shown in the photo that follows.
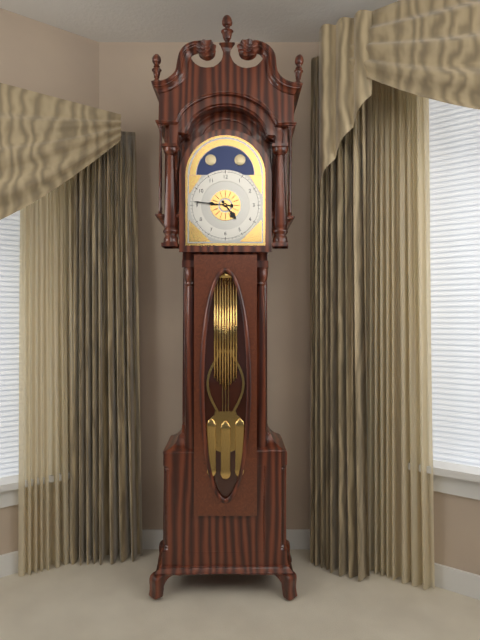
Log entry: 4:46
